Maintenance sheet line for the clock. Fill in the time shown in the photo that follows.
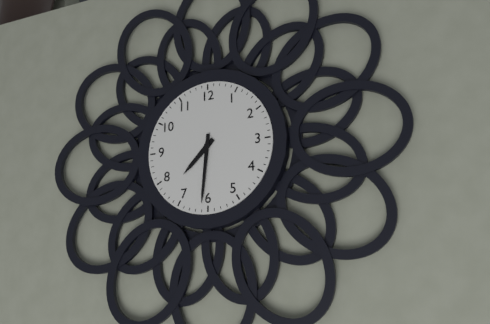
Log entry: 7:31
